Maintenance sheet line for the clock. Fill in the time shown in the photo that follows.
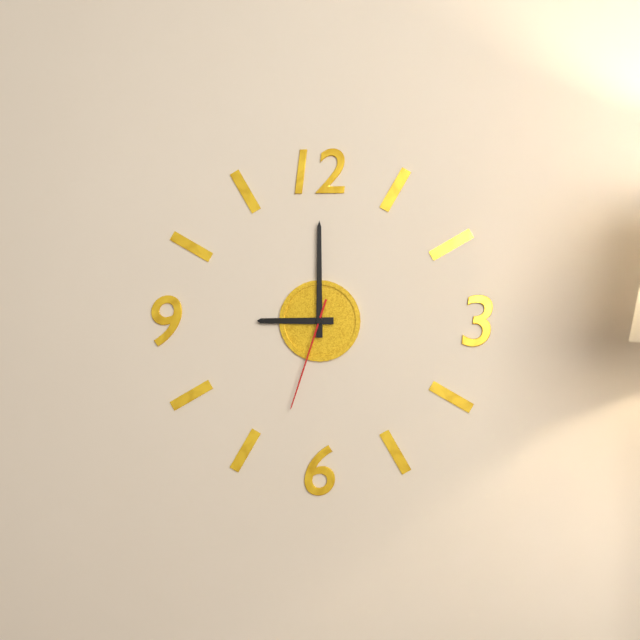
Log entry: 9:00:33
